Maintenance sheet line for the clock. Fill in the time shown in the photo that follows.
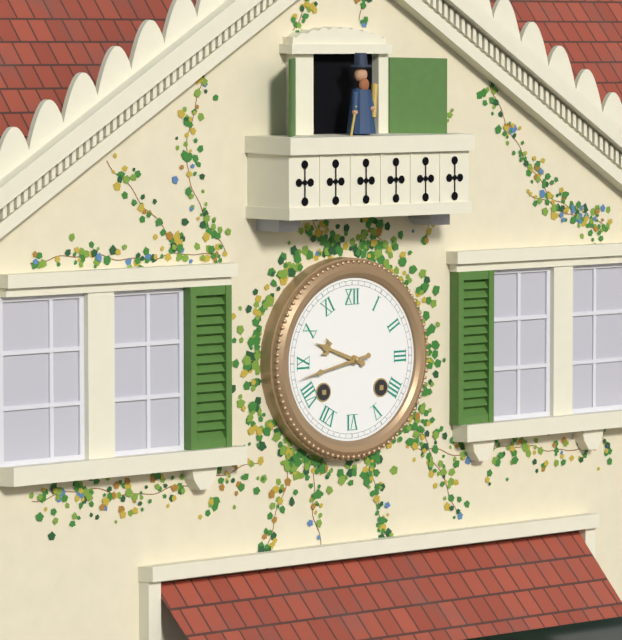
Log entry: 9:43
